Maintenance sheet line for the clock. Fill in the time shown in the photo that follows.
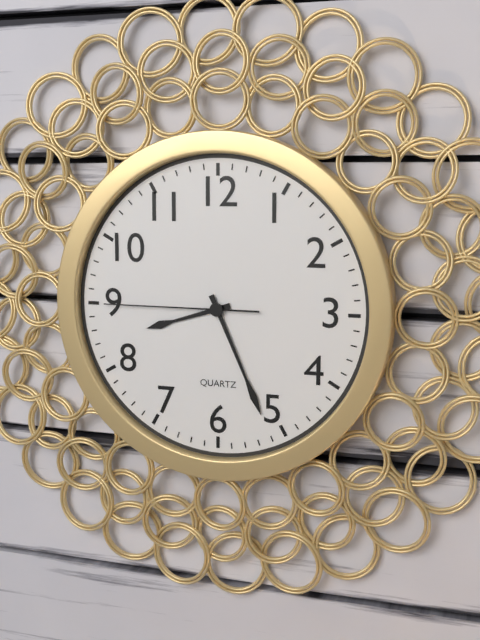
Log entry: 8:26:45
